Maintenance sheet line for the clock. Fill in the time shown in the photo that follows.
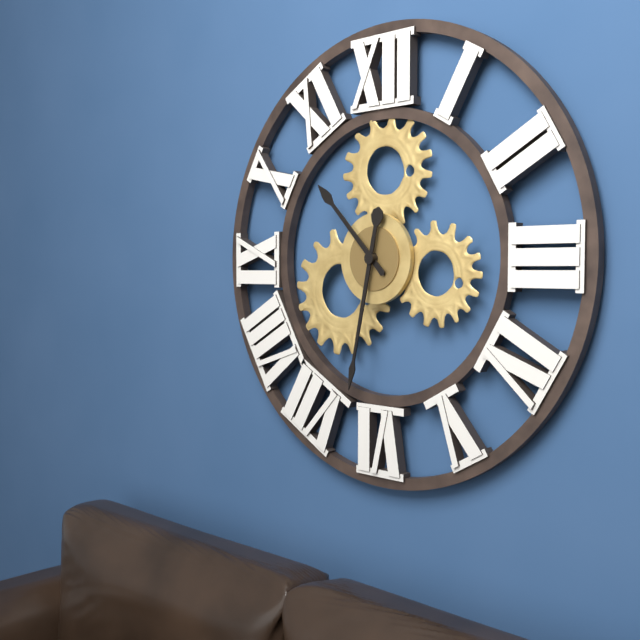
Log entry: 10:32
